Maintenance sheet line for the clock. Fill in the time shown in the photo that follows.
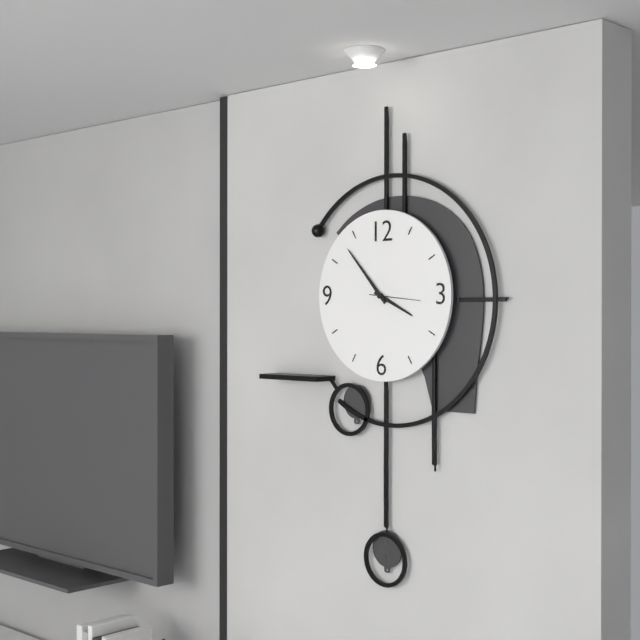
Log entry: 3:53:16
